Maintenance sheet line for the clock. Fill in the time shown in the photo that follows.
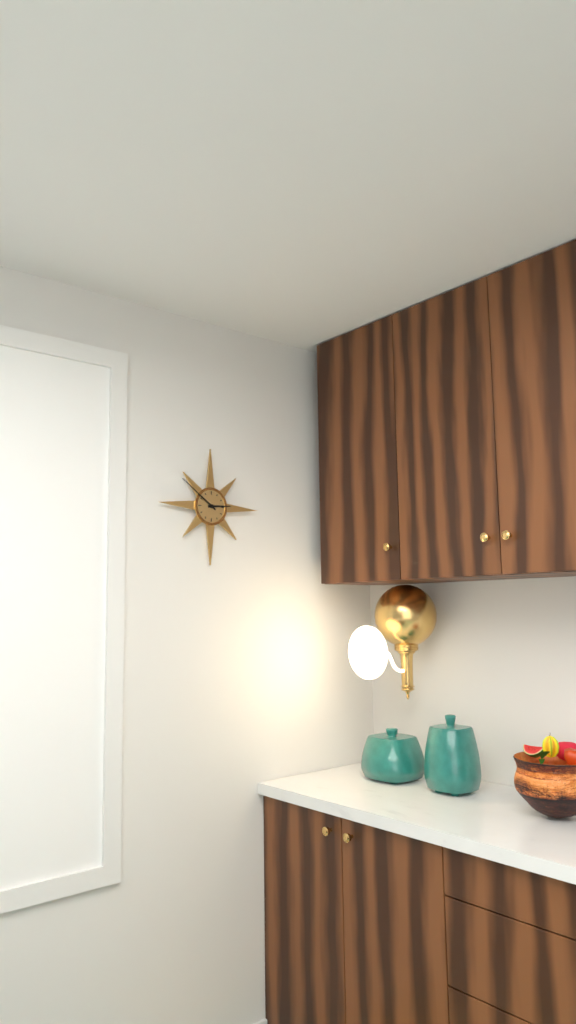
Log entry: 2:51
